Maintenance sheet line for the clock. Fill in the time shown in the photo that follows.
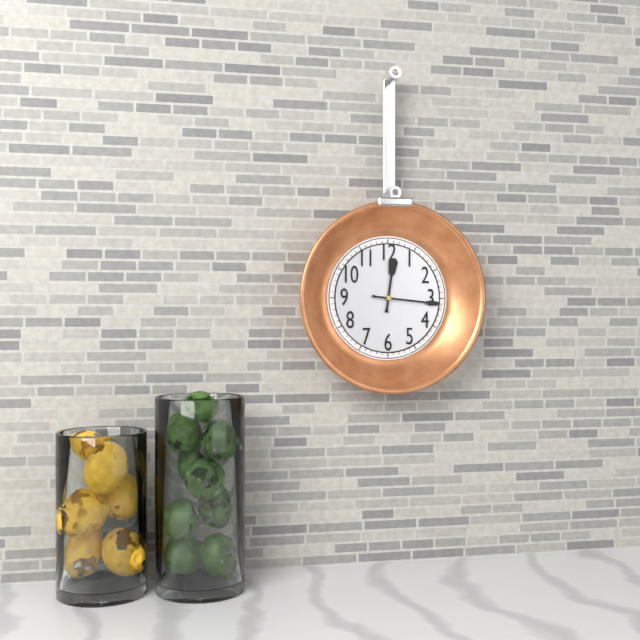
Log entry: 12:16
